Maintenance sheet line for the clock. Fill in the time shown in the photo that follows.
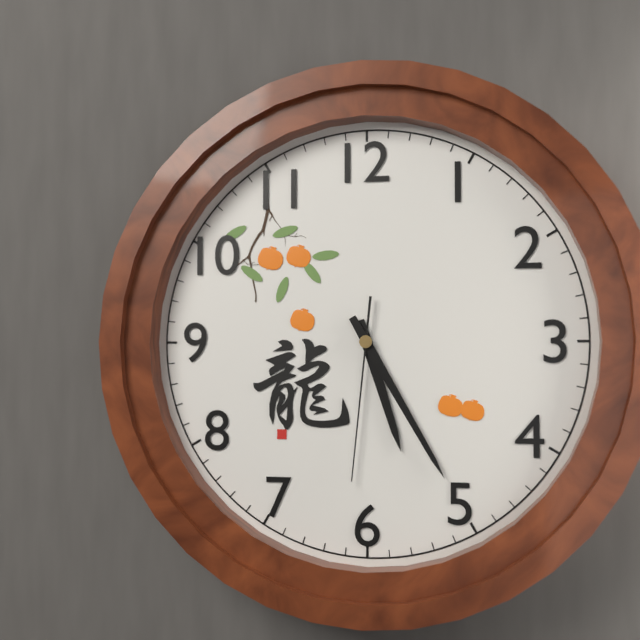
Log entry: 5:25:31
